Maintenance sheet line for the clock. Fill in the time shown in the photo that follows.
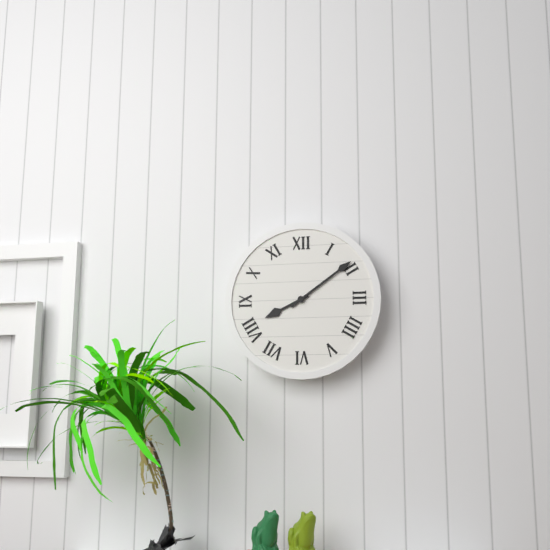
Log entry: 8:09
